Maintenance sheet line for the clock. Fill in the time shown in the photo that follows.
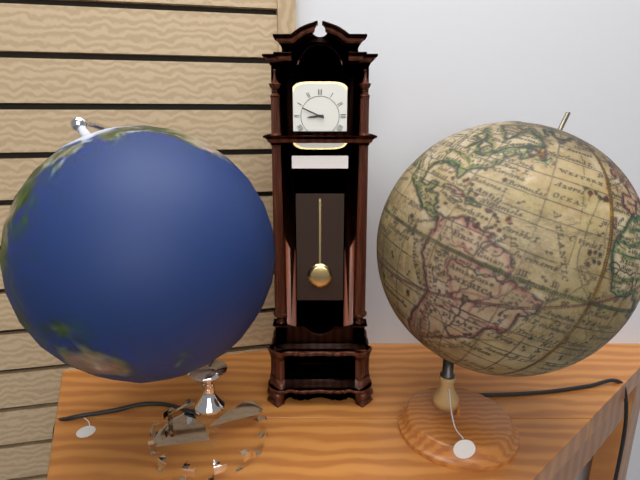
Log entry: 8:49
